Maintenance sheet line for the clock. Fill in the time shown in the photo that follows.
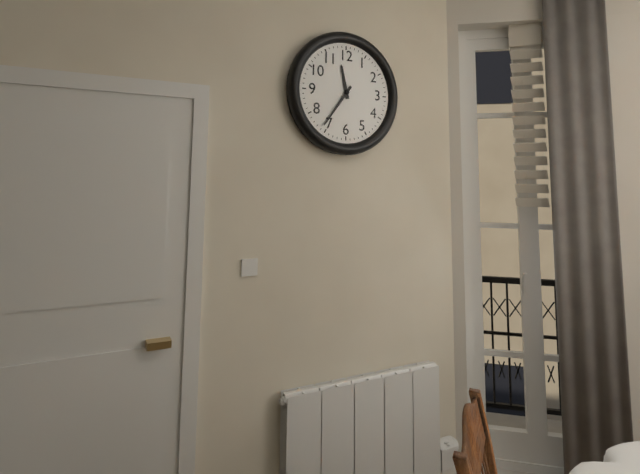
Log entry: 11:36
